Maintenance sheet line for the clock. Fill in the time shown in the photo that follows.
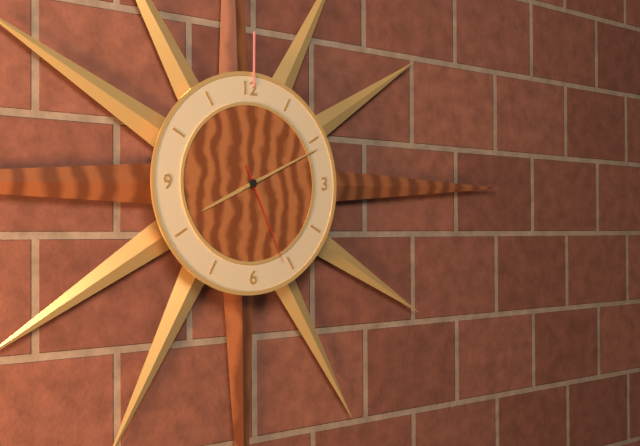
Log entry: 8:11:26
